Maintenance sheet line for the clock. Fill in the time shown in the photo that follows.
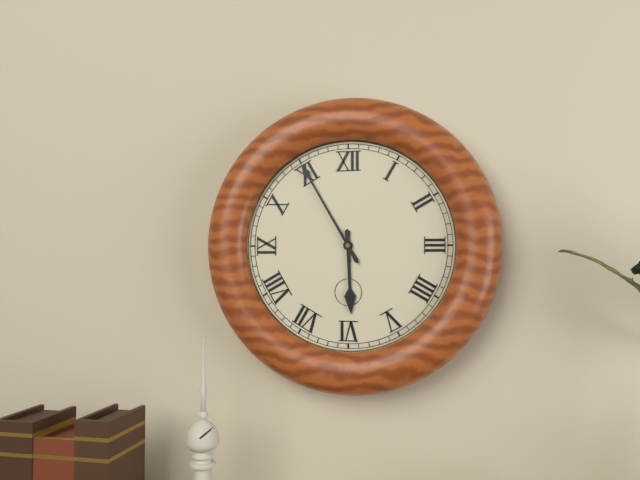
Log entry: 5:55
